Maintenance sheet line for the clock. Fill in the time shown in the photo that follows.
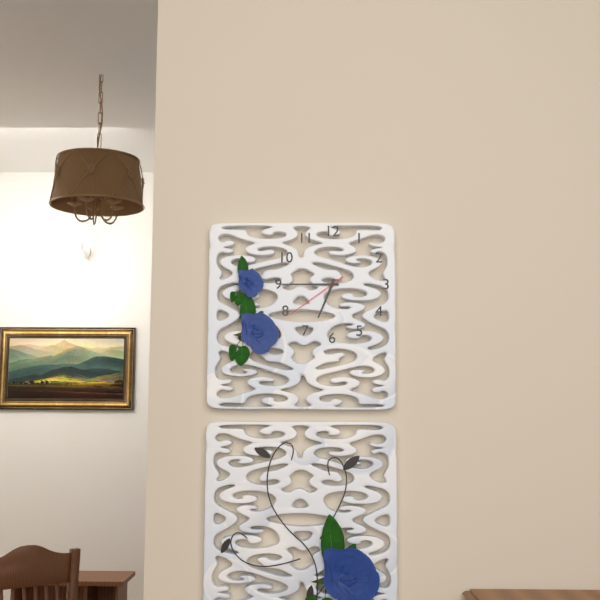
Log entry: 6:45:39
